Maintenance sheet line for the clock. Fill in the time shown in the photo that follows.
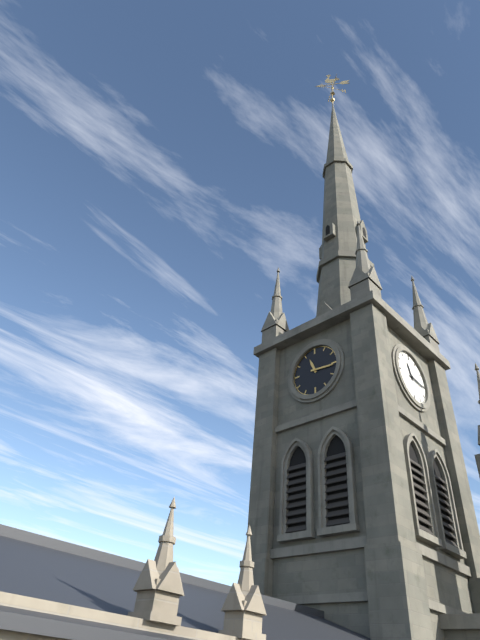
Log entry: 11:16
